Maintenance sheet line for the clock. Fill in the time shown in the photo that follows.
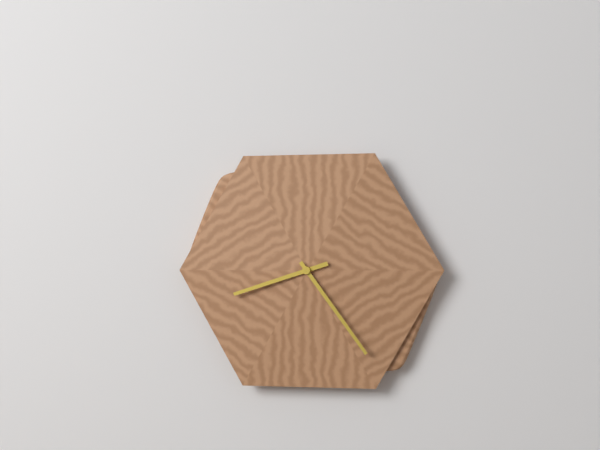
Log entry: 8:24
